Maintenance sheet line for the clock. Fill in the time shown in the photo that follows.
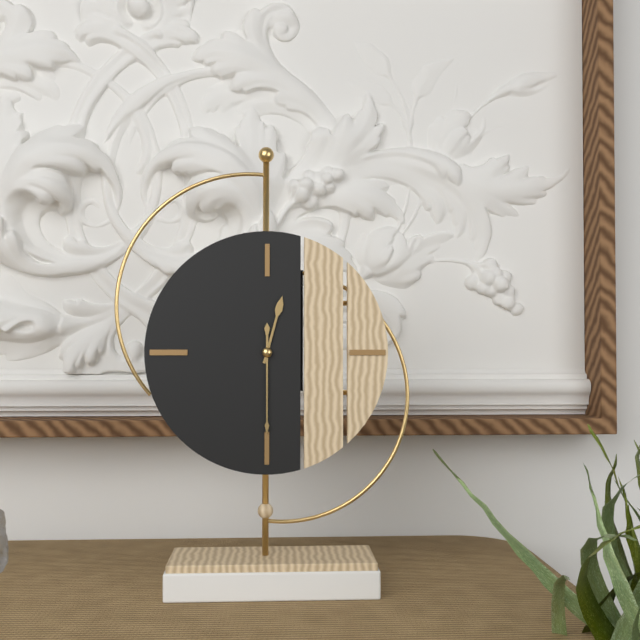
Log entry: 12:30
